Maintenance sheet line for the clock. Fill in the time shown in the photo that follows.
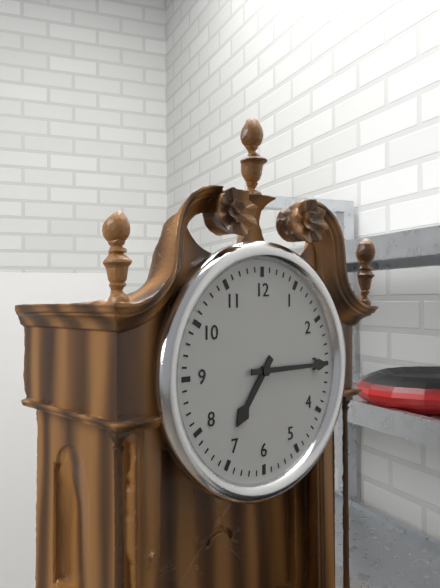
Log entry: 7:15
